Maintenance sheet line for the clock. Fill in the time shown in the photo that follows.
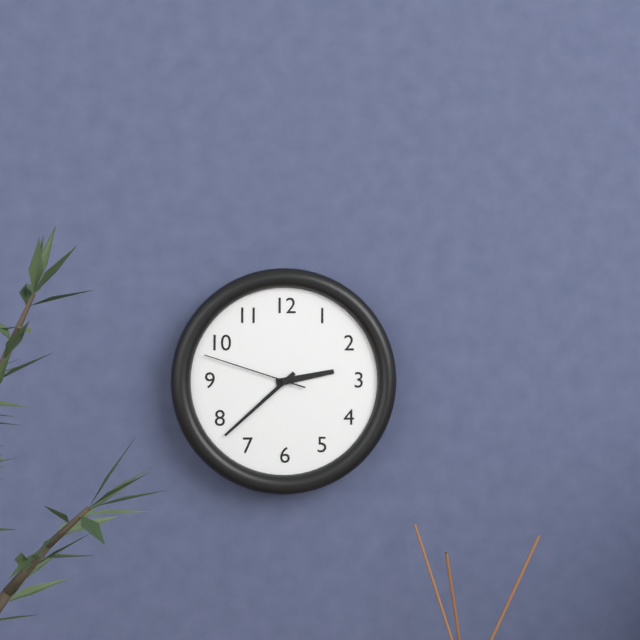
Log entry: 2:38:48
